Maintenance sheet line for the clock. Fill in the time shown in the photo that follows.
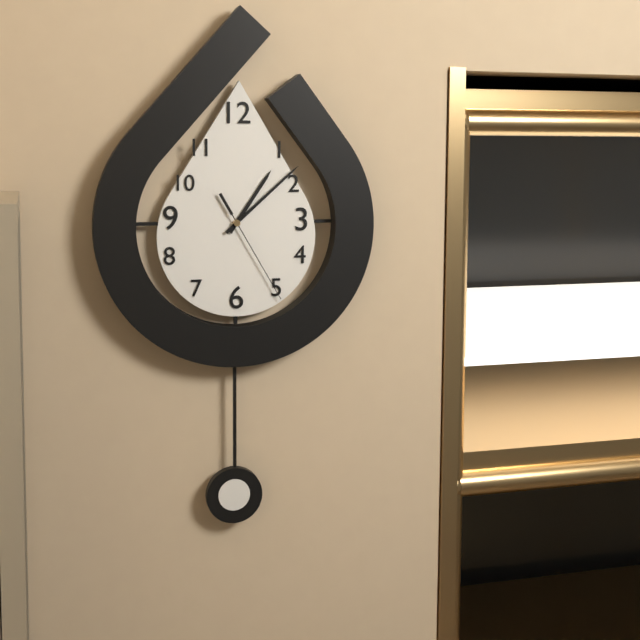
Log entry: 1:08:25
